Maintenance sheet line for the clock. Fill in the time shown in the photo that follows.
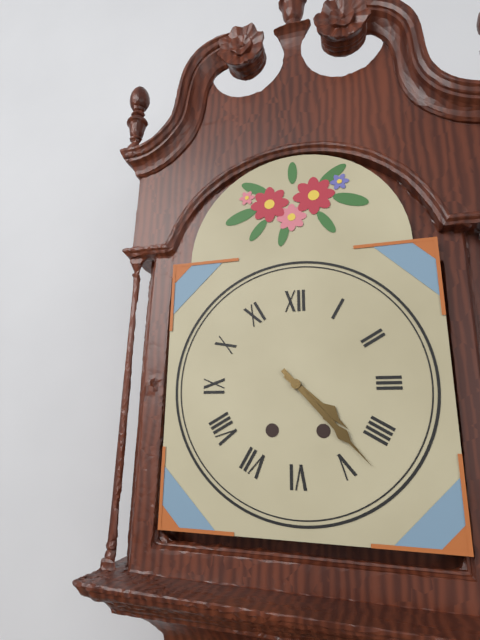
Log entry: 4:23
